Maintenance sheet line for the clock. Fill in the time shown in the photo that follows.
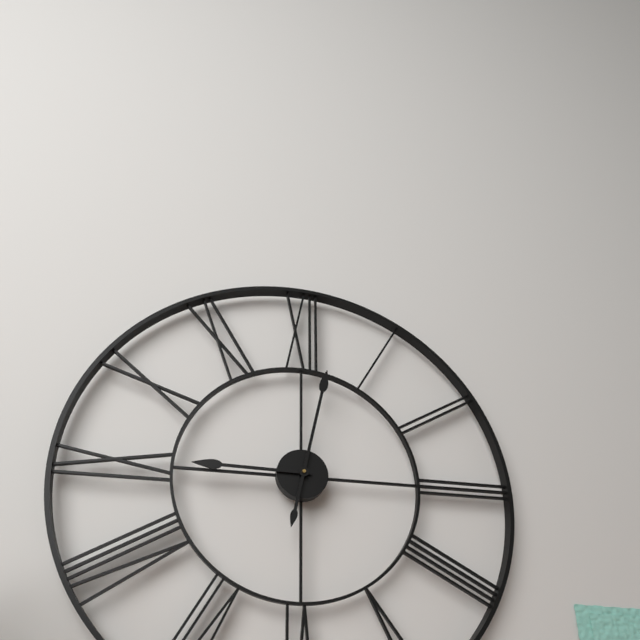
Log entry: 9:02
